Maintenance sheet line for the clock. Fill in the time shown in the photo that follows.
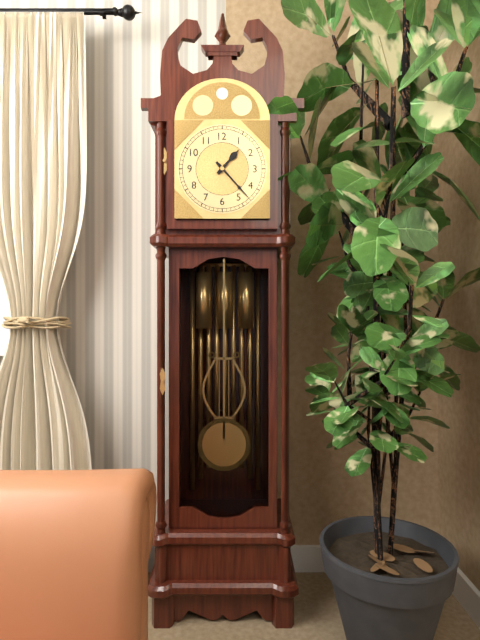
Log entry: 1:23
